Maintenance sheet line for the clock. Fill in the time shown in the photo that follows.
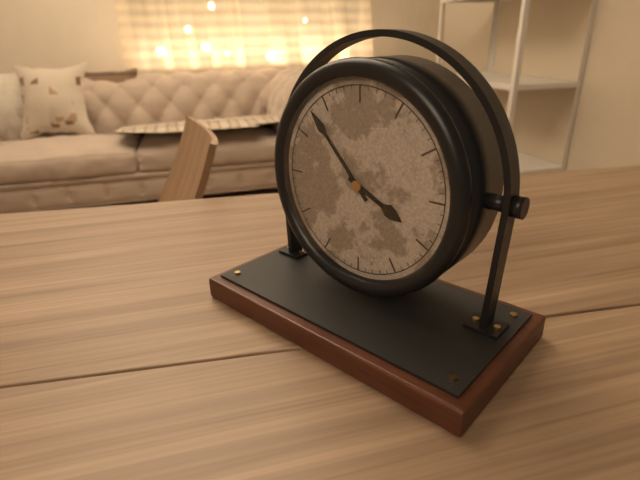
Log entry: 3:53
